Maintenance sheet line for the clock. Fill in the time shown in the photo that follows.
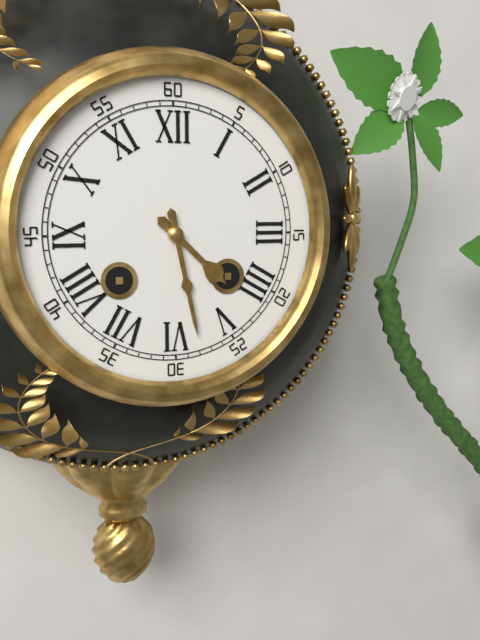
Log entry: 4:28
